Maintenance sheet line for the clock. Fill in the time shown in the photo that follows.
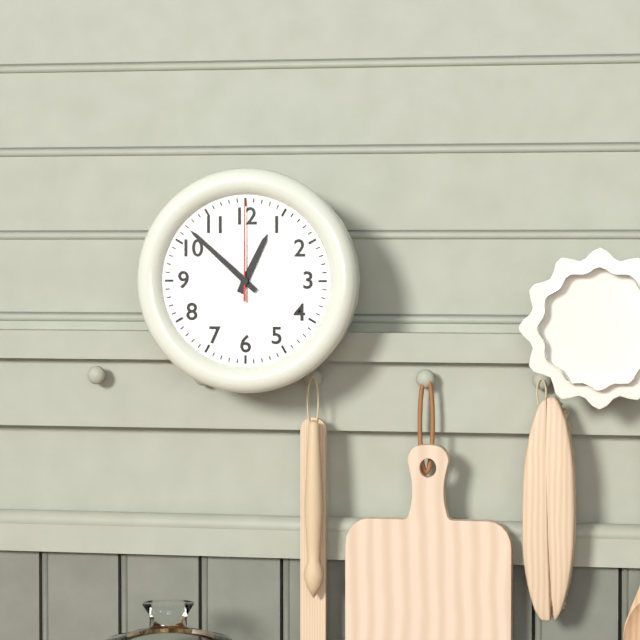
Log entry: 12:52:00
